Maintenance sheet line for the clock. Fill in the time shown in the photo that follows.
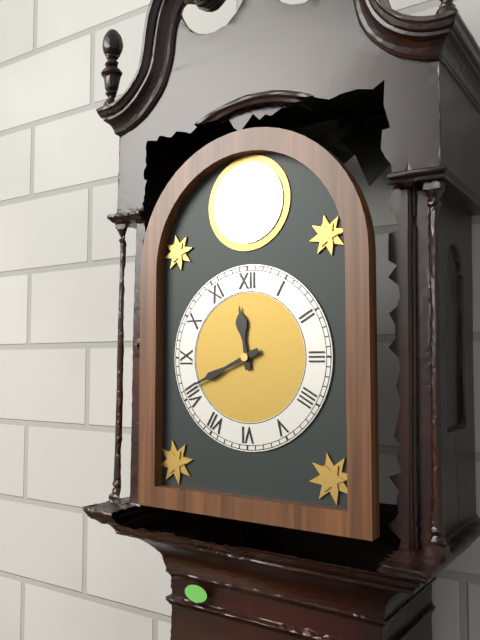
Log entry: 11:41
